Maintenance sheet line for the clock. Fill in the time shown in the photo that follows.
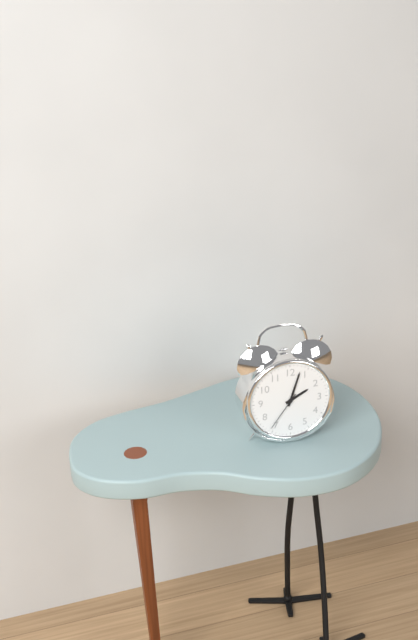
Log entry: 2:03
